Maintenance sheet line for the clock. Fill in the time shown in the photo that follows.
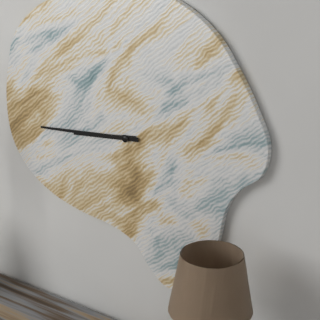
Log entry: 8:44
